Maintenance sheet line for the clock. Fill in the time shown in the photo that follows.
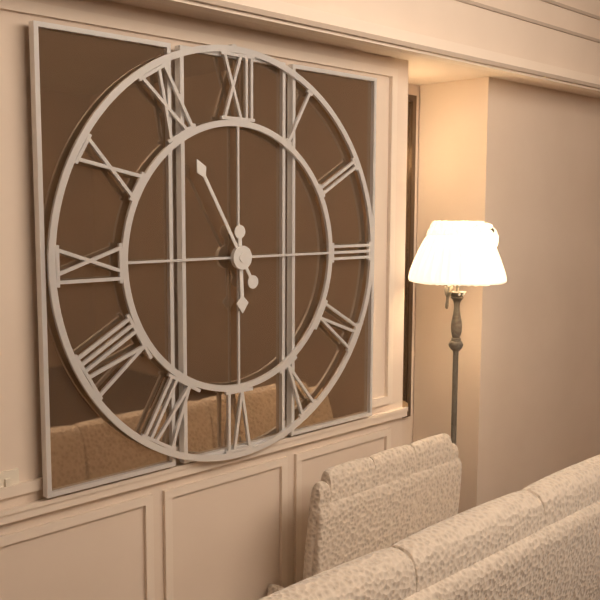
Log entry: 5:55
